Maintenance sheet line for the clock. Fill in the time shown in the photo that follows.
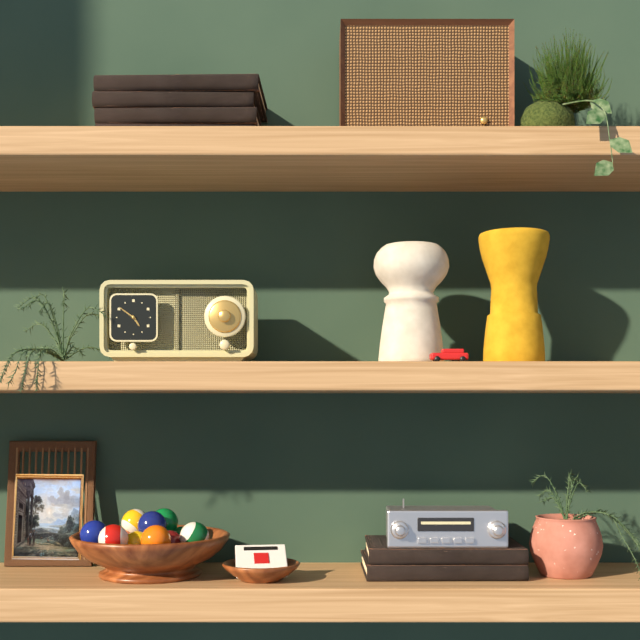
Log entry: 4:51
